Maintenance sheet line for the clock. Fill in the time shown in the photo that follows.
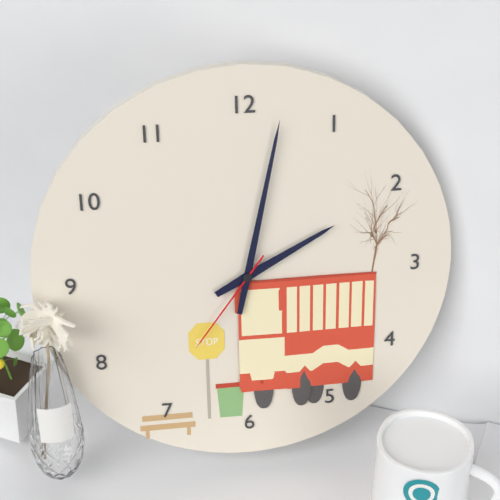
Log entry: 2:02:36
